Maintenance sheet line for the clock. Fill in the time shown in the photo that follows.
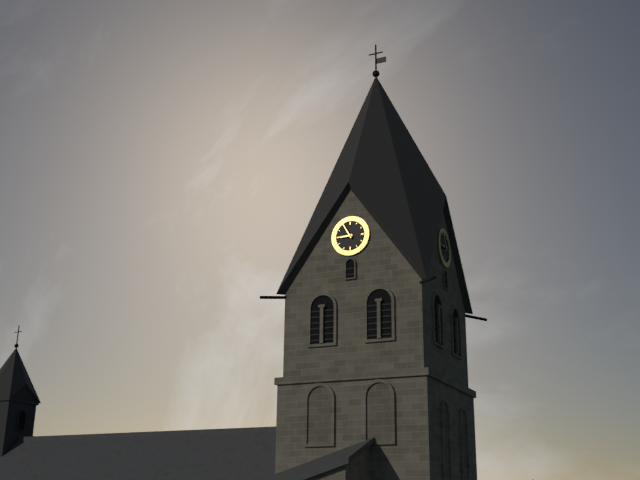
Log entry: 8:55
